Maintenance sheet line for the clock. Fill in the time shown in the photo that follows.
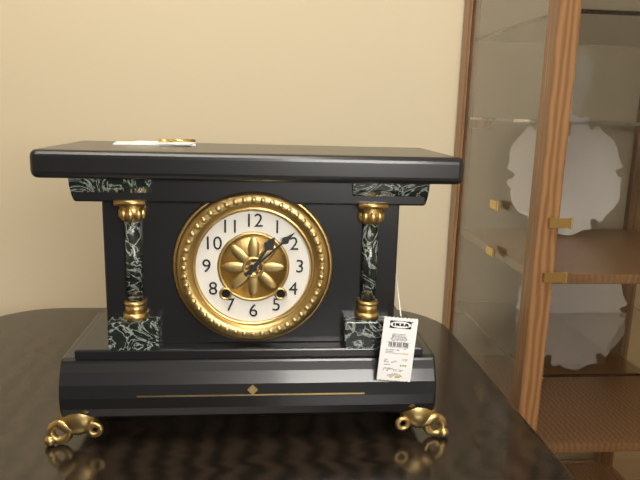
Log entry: 1:08
